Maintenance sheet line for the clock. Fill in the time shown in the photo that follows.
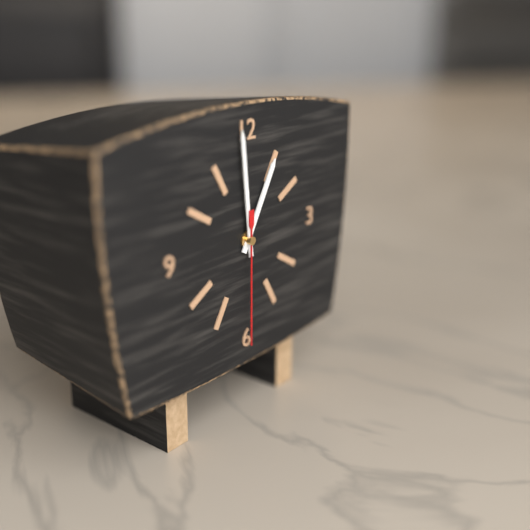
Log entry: 12:59:30
